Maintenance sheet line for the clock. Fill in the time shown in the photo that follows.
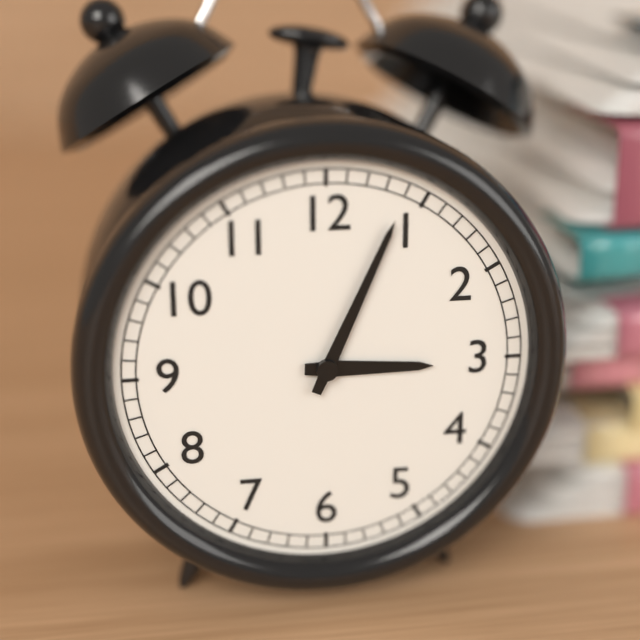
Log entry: 3:04
